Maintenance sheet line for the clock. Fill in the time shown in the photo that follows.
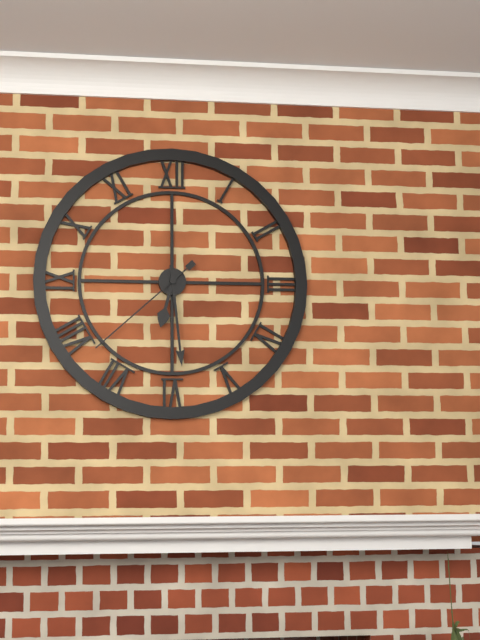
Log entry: 6:29:38
